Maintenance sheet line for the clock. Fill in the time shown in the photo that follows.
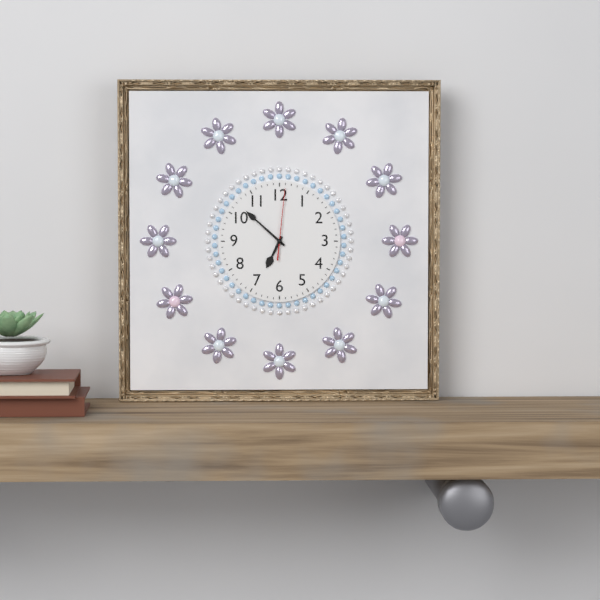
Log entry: 6:52:01
